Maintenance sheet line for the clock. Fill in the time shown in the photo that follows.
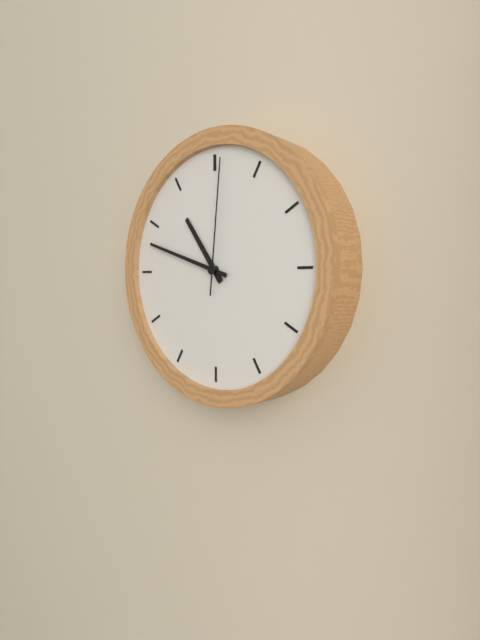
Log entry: 10:48:01
